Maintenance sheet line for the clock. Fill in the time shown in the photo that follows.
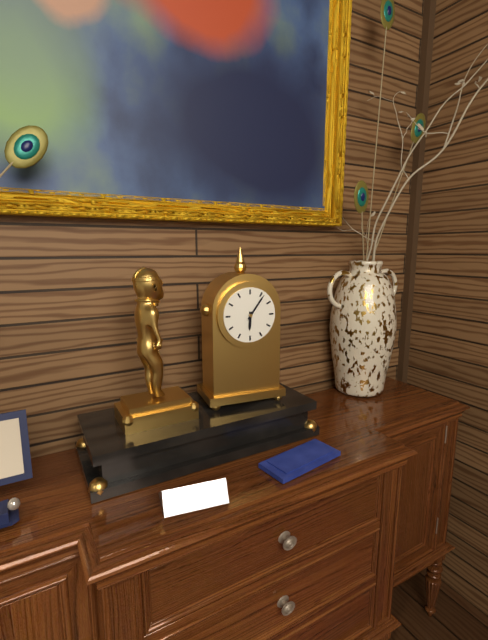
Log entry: 6:06
